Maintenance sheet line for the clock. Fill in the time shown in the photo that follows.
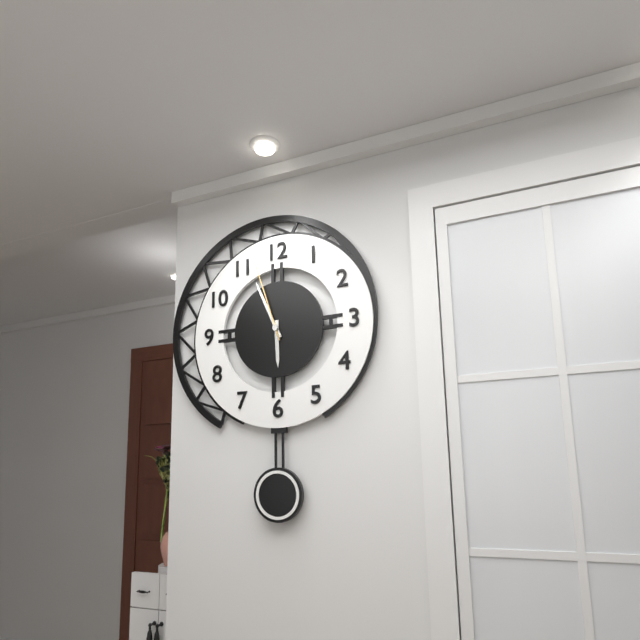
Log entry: 5:56:57
